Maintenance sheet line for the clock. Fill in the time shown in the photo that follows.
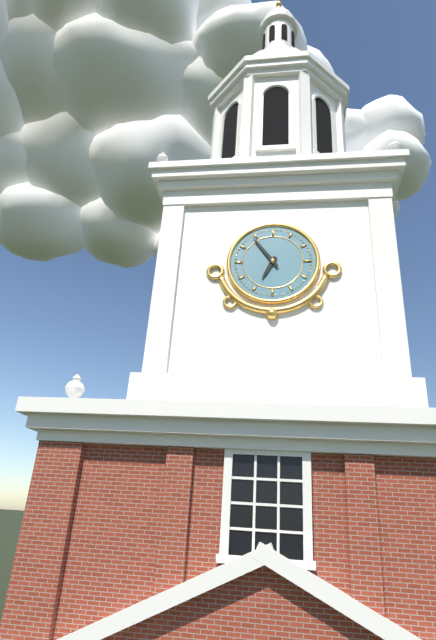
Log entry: 6:54
